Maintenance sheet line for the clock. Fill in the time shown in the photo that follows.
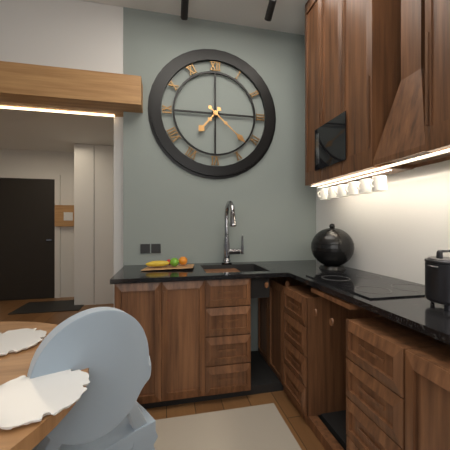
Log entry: 7:22
